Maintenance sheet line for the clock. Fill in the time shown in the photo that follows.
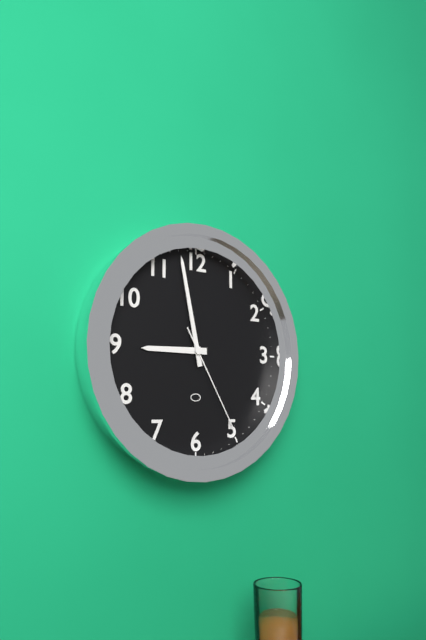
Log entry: 8:58:25
